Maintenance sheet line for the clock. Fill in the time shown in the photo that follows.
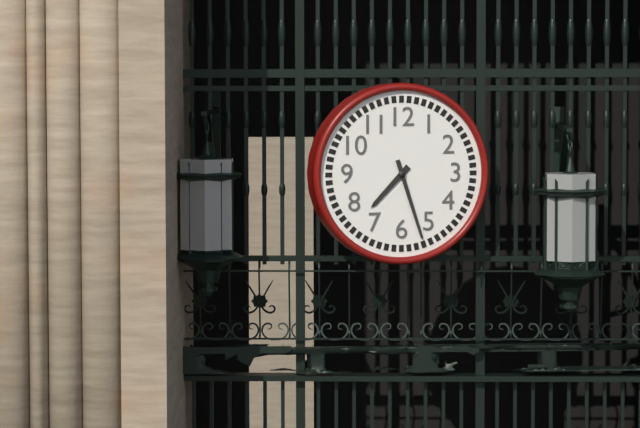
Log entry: 7:27
